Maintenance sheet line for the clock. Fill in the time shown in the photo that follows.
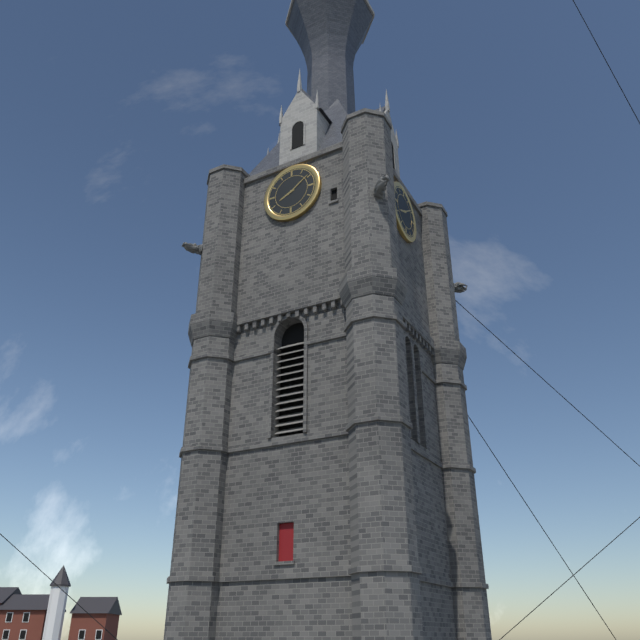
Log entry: 8:09
